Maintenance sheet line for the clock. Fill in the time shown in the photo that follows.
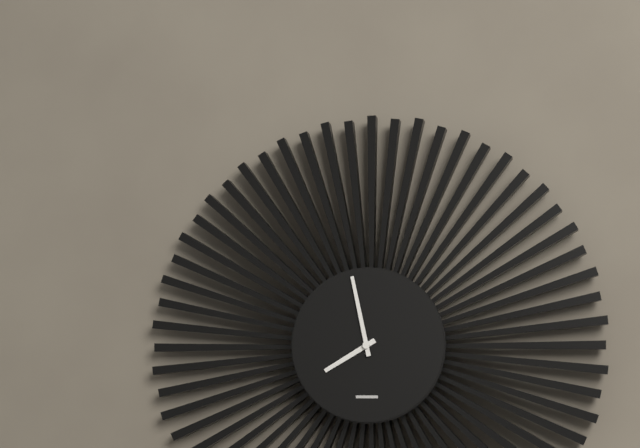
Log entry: 7:58
